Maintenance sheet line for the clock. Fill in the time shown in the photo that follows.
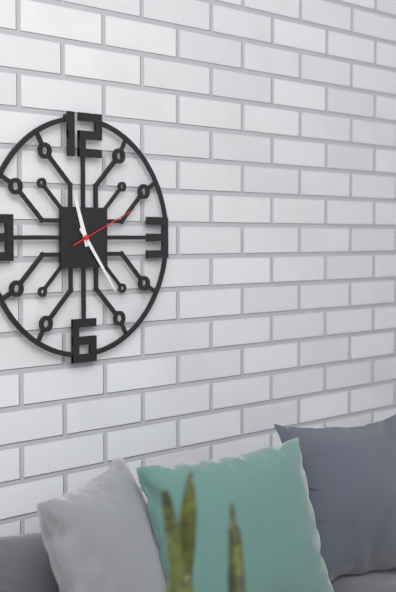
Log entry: 11:24:11
